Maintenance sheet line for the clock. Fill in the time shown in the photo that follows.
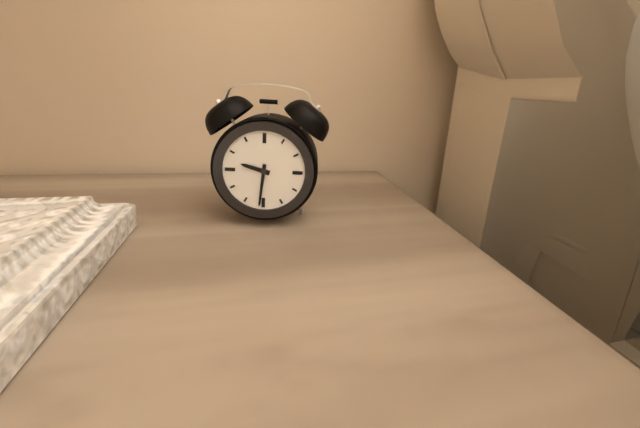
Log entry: 9:31
